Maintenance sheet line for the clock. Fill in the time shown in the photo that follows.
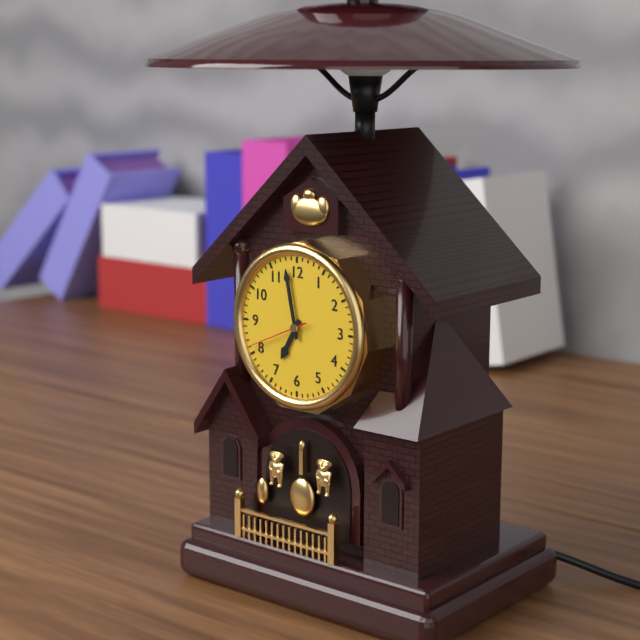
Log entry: 6:58:41
